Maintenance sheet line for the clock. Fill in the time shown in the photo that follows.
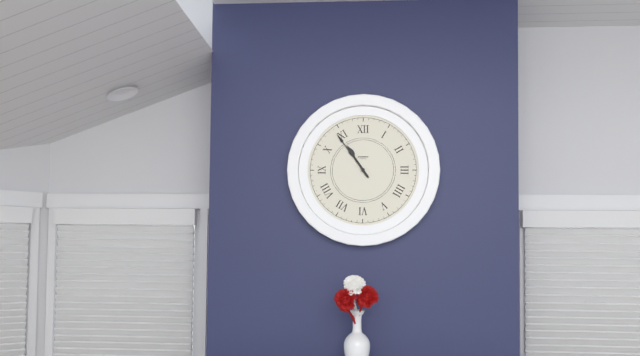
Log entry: 10:54
